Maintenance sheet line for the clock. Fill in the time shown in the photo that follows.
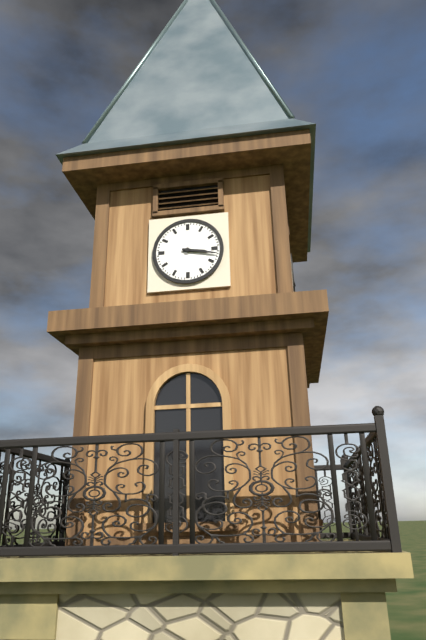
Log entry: 3:17
